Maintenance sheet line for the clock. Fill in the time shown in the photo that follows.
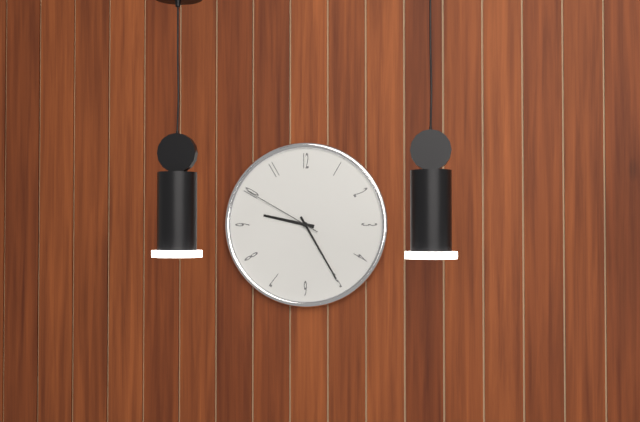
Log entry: 9:25:50
